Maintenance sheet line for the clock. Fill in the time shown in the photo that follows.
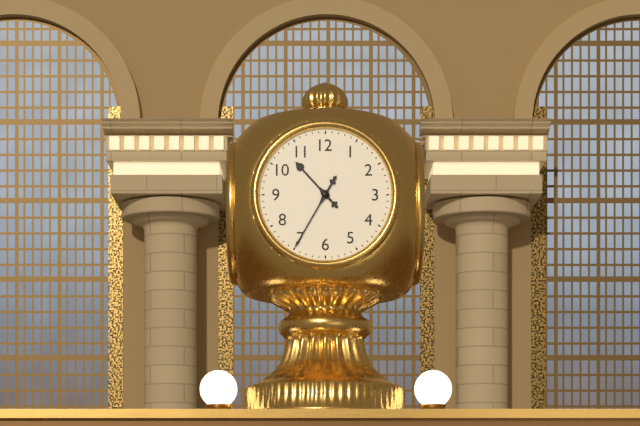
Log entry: 10:35
